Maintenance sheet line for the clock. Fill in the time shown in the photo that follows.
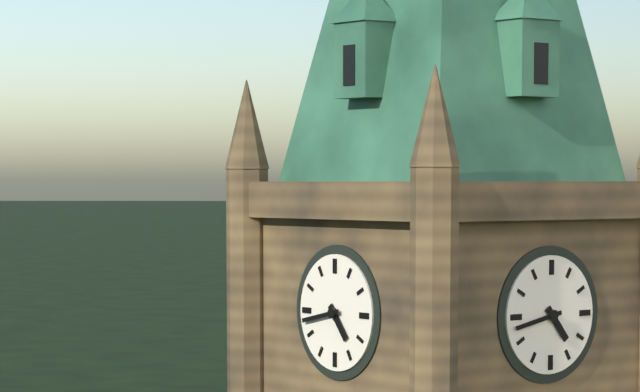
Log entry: 4:43
